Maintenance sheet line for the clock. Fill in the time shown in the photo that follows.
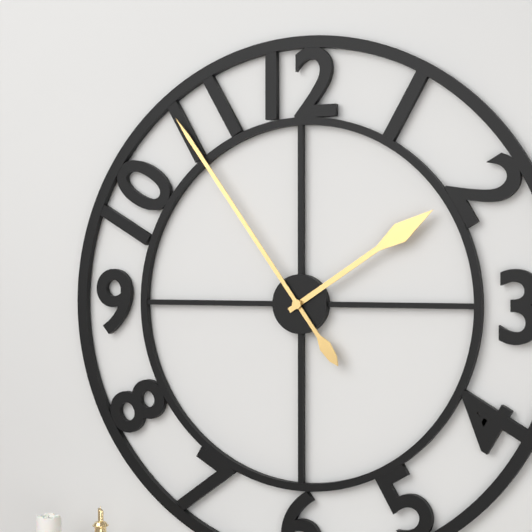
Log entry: 1:54
